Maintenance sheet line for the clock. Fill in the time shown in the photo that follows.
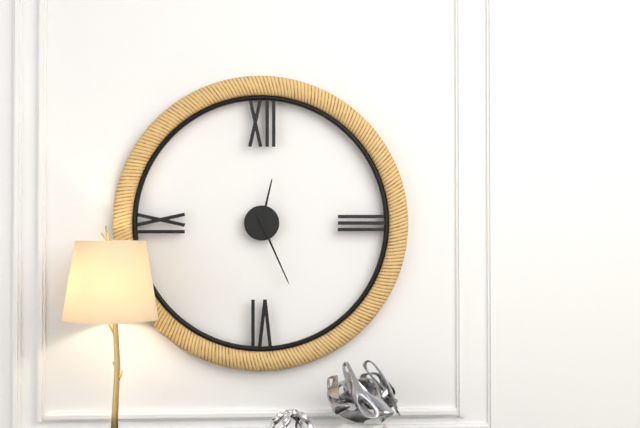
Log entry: 12:26
